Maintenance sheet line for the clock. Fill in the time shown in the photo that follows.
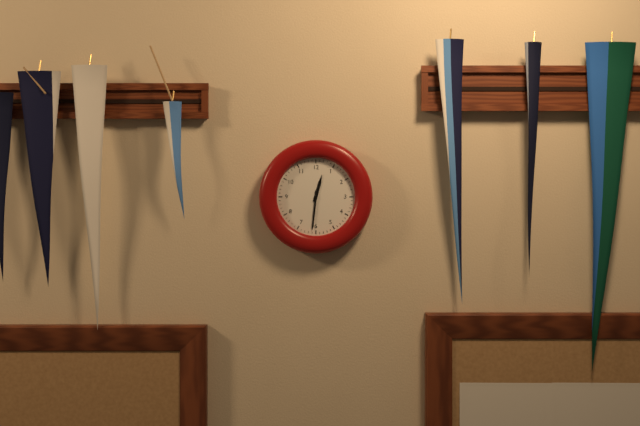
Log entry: 12:31
